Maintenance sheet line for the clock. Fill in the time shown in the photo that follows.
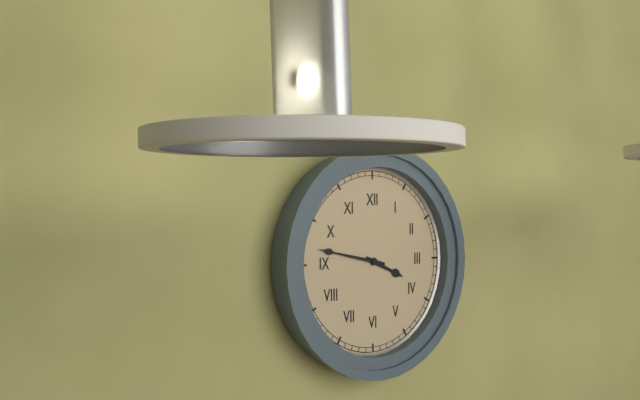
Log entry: 3:47
